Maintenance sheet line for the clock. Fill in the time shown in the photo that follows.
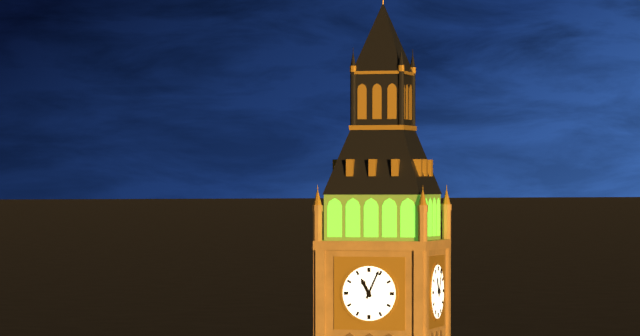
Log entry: 11:04
